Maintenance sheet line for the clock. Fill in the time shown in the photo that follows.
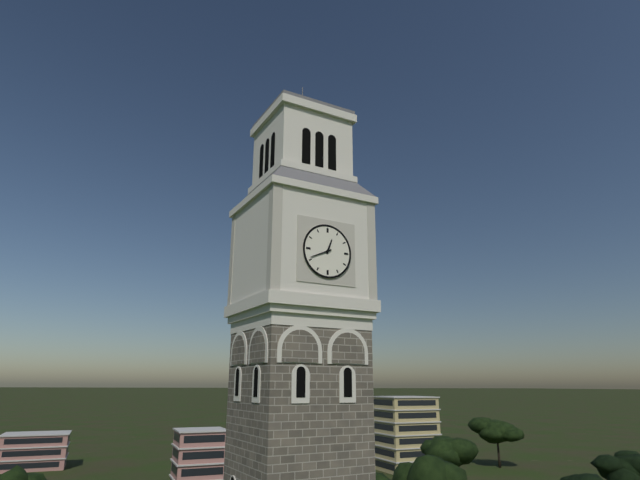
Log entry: 12:41
